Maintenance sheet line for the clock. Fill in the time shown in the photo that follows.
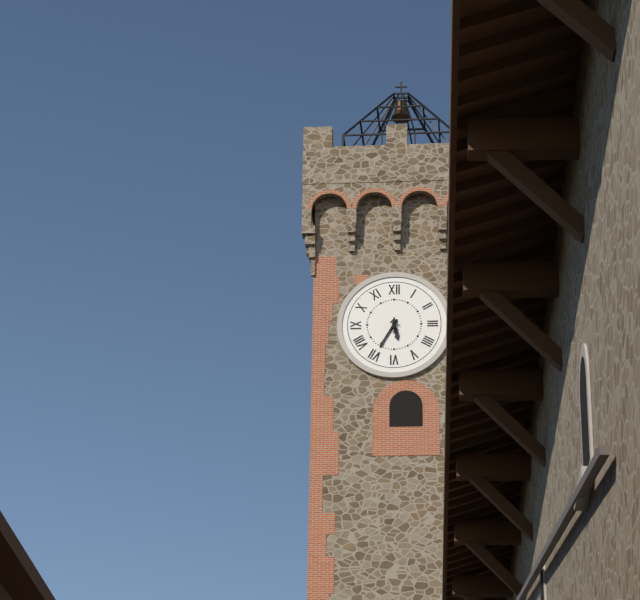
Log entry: 5:35
